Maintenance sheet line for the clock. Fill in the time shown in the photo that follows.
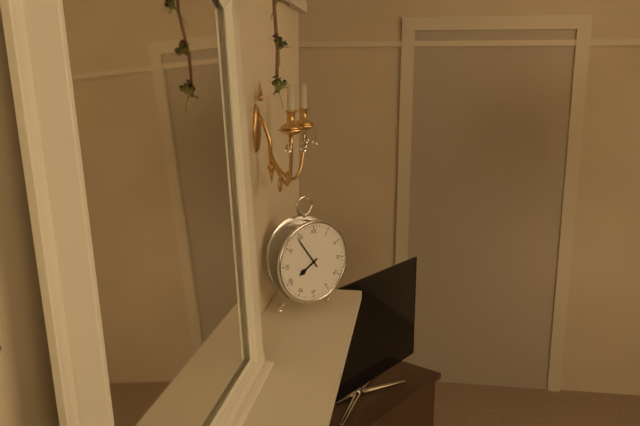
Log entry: 7:54
